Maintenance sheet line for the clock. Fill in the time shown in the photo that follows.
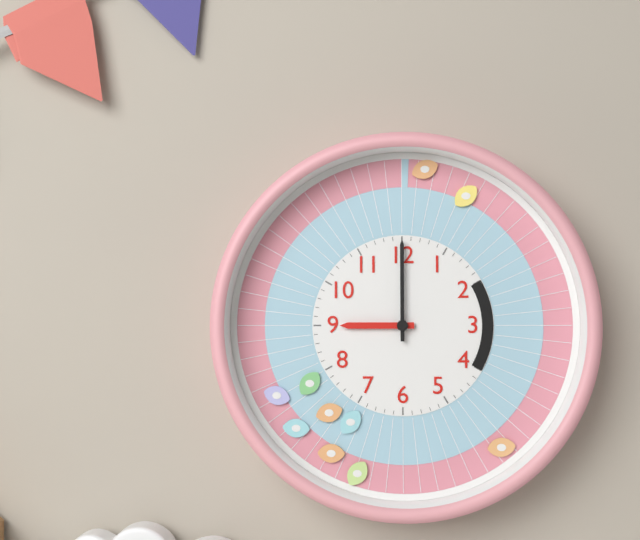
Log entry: 9:00
